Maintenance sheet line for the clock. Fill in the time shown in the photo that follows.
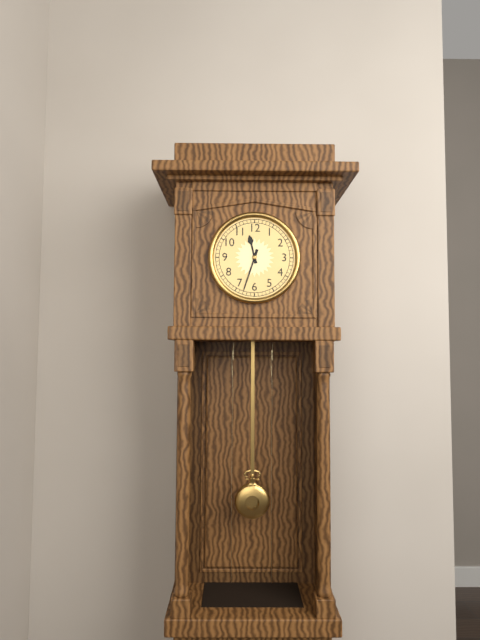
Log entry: 11:33
